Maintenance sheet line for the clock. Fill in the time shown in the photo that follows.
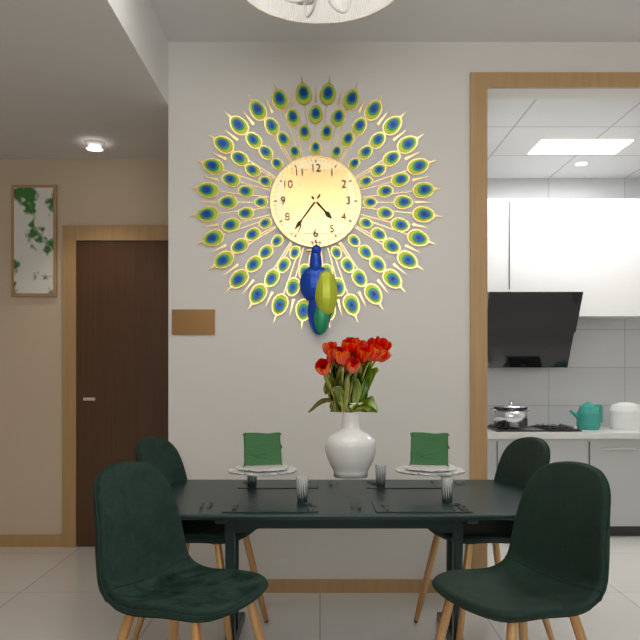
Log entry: 4:36
